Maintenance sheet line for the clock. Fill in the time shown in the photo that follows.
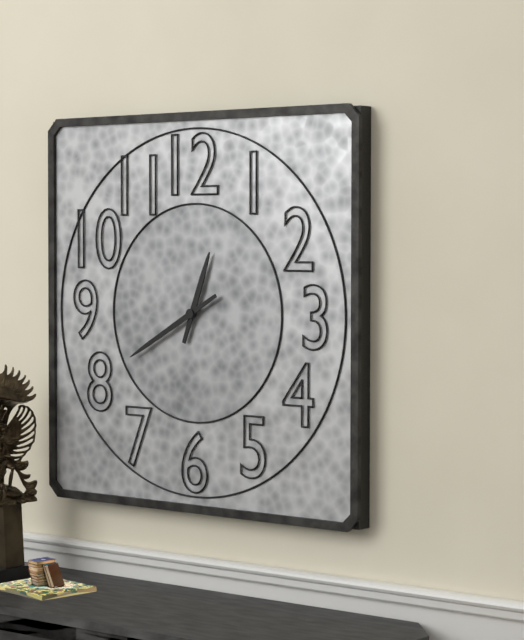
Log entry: 12:40
